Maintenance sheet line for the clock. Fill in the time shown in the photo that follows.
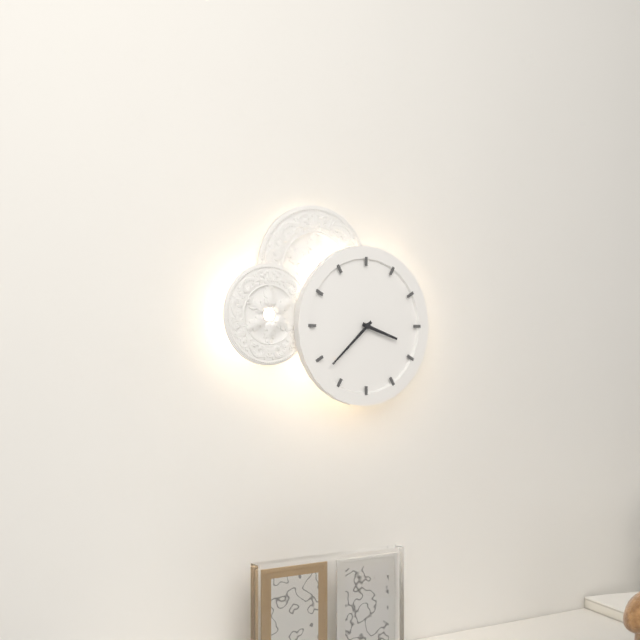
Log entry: 3:38
